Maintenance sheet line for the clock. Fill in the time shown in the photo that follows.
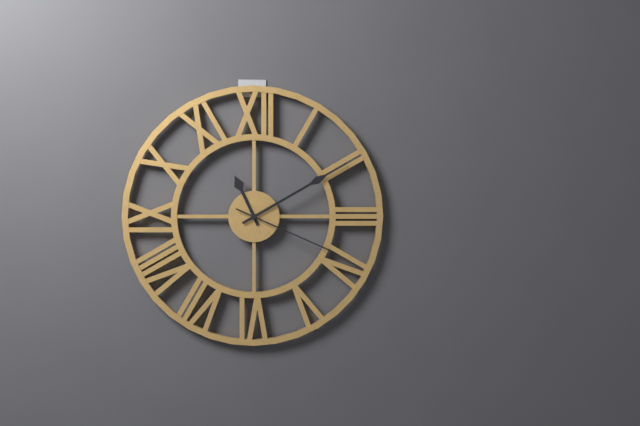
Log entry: 11:10:19
